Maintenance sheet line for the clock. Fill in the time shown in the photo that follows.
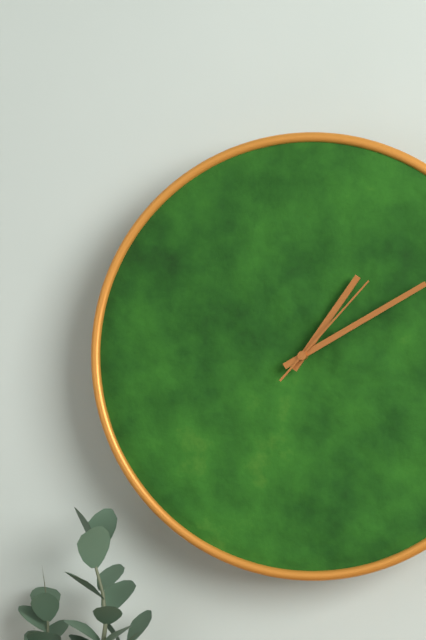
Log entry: 1:10:07
